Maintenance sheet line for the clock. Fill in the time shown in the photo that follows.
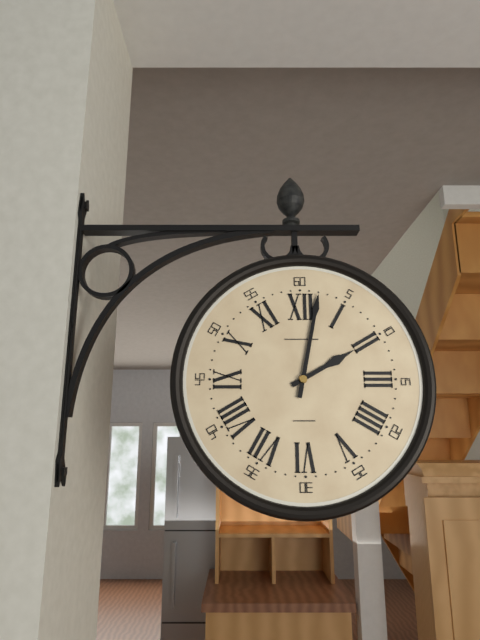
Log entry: 2:02
